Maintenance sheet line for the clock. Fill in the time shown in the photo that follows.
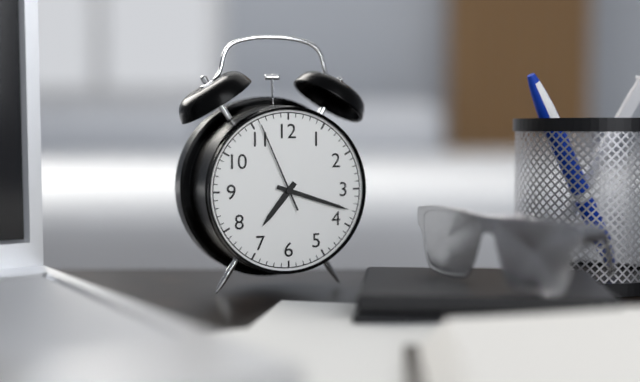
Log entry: 7:18:56
